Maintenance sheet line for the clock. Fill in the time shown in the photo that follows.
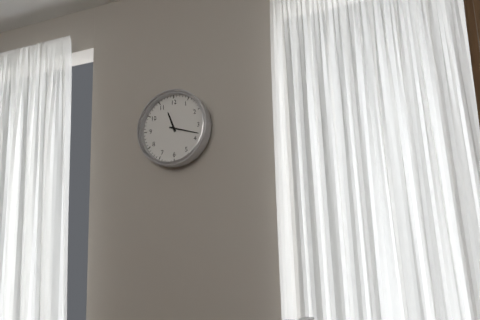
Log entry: 11:18
